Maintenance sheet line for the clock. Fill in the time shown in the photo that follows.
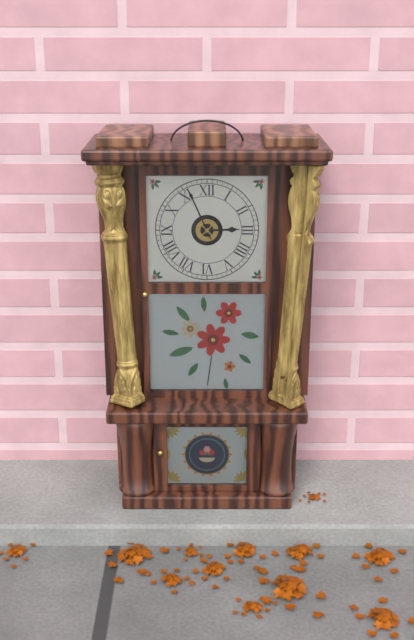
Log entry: 2:56
